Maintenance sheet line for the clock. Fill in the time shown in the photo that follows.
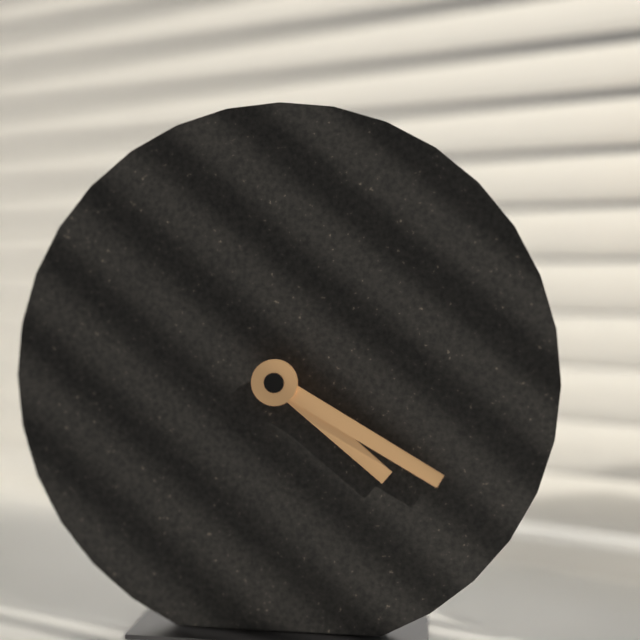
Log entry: 4:20
